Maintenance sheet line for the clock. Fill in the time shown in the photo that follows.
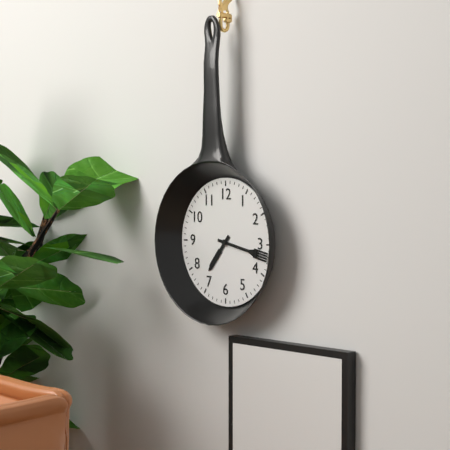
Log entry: 7:17
